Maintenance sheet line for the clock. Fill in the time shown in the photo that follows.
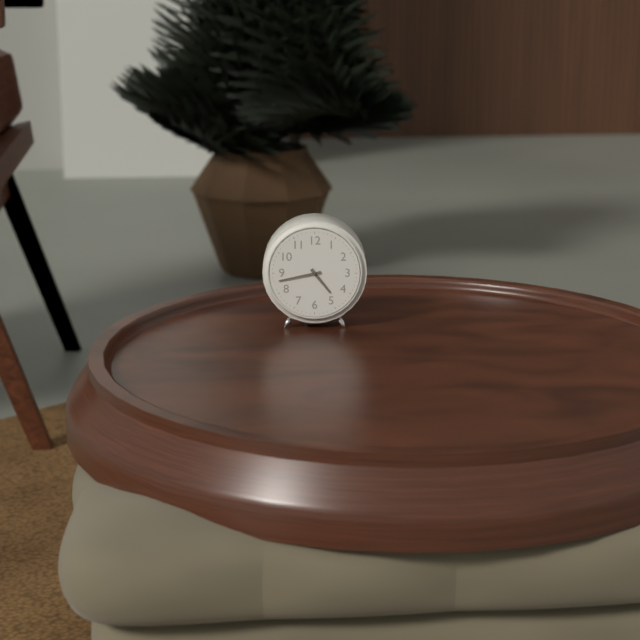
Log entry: 4:43
